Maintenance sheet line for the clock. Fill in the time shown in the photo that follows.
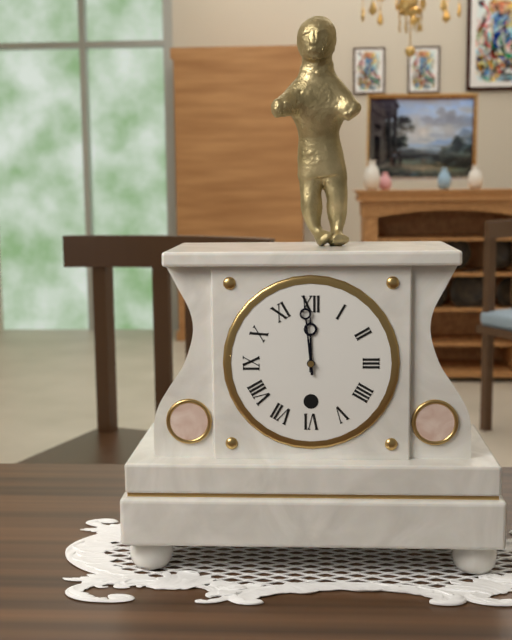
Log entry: 11:59
